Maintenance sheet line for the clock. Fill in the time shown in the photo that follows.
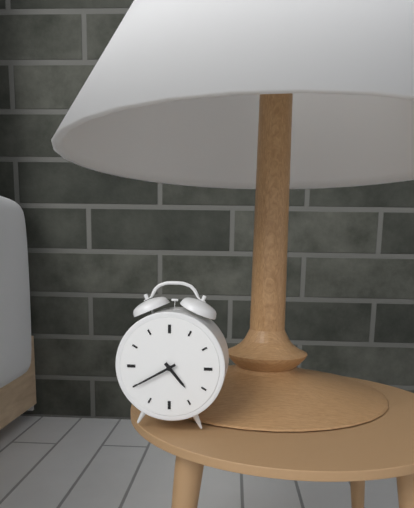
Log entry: 4:40
